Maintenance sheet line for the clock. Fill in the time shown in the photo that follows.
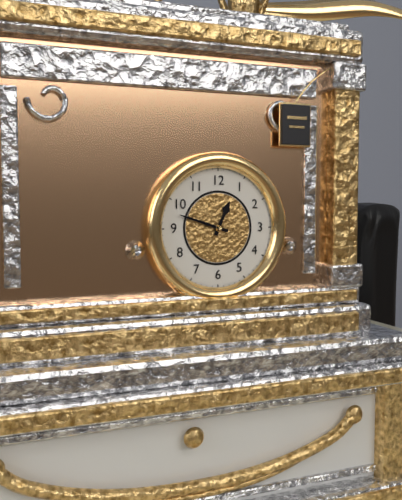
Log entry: 12:48
